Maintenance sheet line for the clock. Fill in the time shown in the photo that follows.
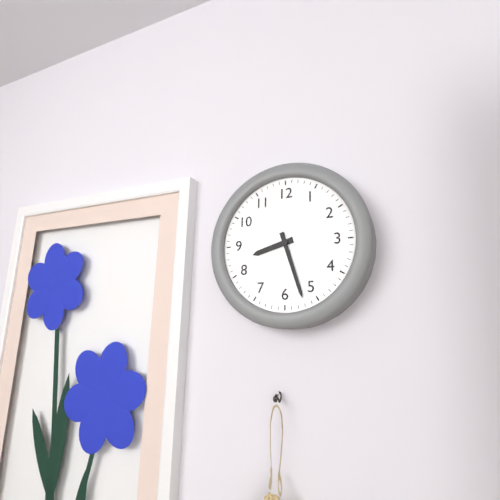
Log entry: 8:27
